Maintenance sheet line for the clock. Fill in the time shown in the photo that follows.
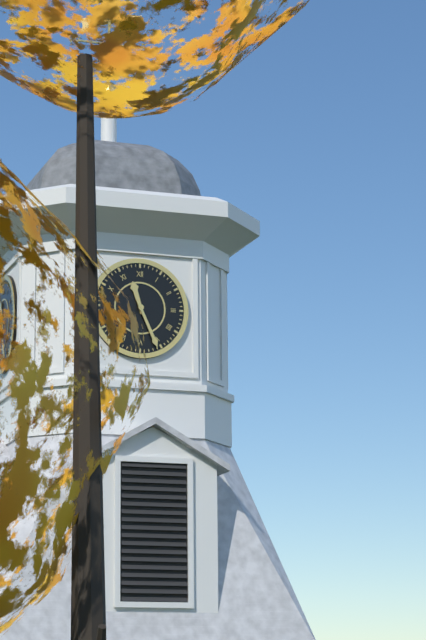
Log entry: 11:26
